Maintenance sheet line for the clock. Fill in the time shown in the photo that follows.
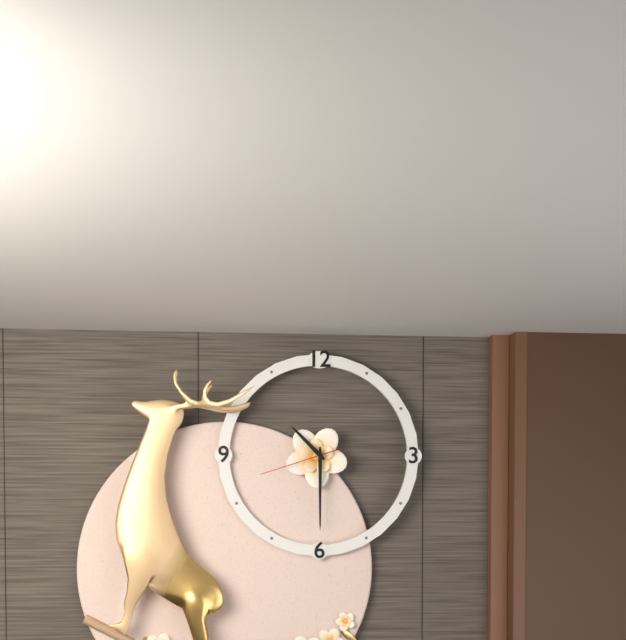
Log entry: 10:30:42
